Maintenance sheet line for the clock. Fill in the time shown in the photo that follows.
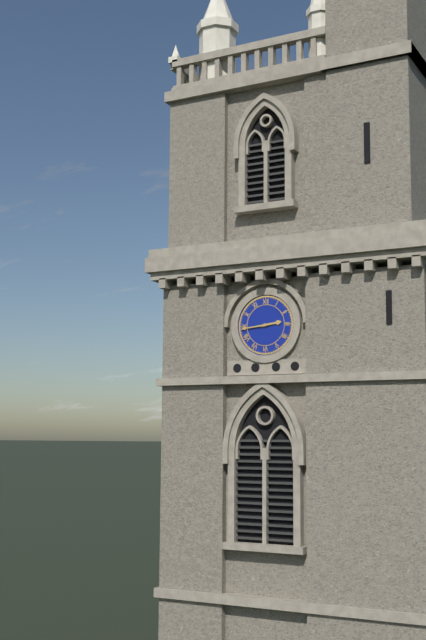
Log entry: 2:44
